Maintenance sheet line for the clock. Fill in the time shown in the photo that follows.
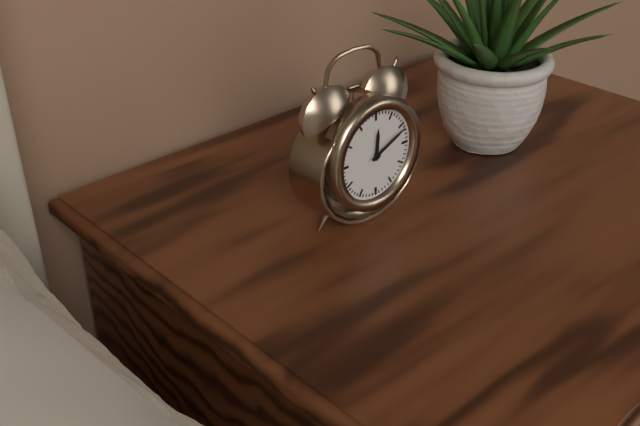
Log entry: 12:11
